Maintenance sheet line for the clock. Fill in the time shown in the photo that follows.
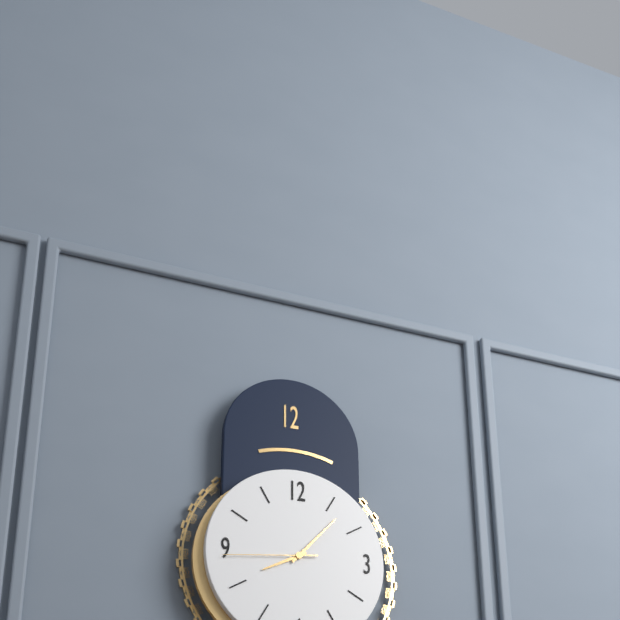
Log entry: 8:07:44
